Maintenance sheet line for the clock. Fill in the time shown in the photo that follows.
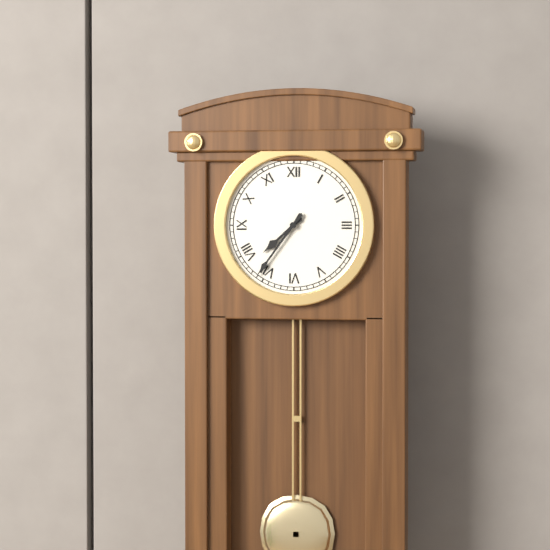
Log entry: 7:36
